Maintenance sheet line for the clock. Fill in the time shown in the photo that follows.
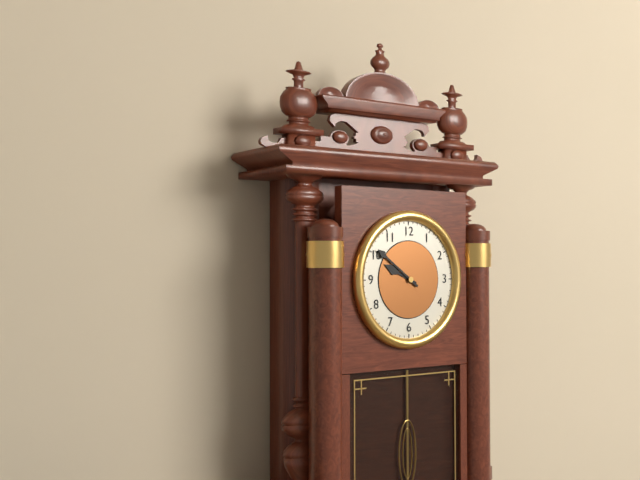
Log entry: 9:51
